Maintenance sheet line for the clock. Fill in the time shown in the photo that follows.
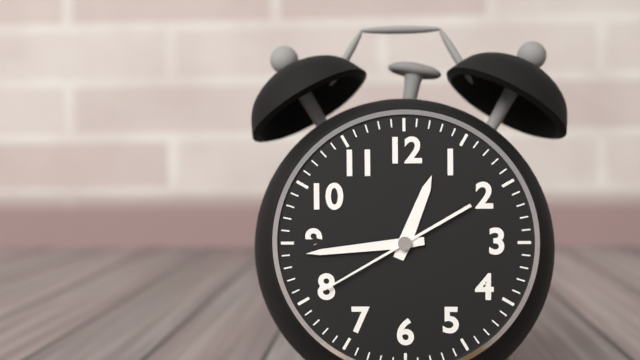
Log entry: 12:44:40
